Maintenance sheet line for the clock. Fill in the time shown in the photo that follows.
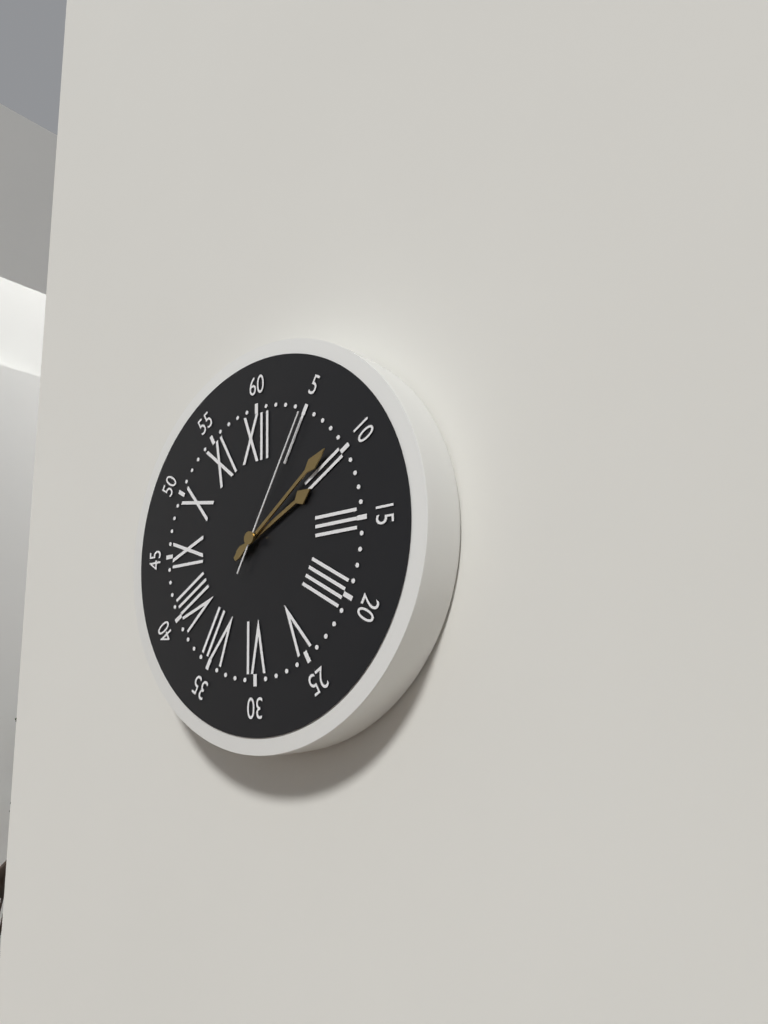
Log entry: 2:09:05
